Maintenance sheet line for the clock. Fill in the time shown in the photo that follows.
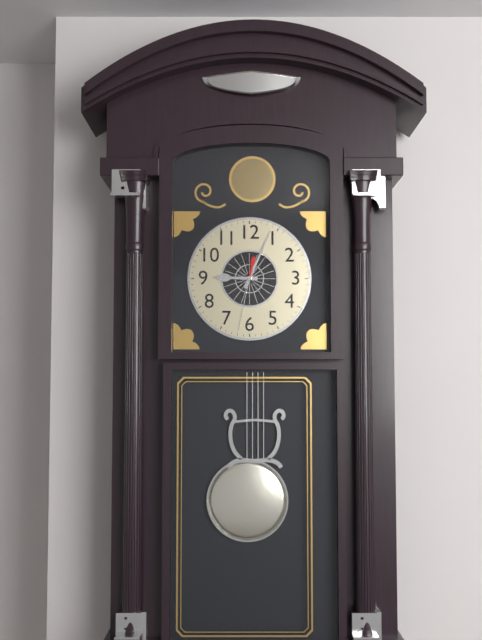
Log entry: 9:04:32
